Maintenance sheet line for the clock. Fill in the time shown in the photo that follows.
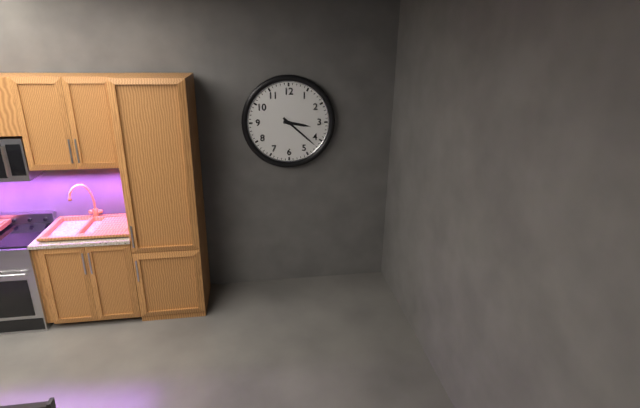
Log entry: 3:22
